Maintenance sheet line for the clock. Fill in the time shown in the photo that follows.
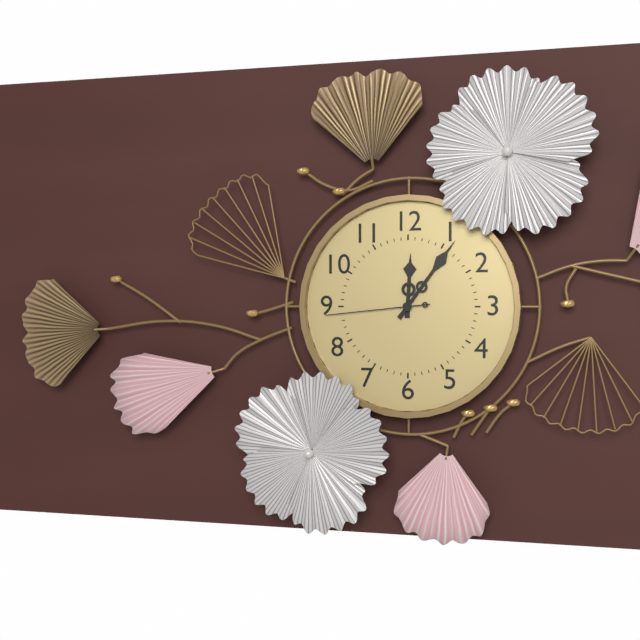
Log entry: 12:06:44
